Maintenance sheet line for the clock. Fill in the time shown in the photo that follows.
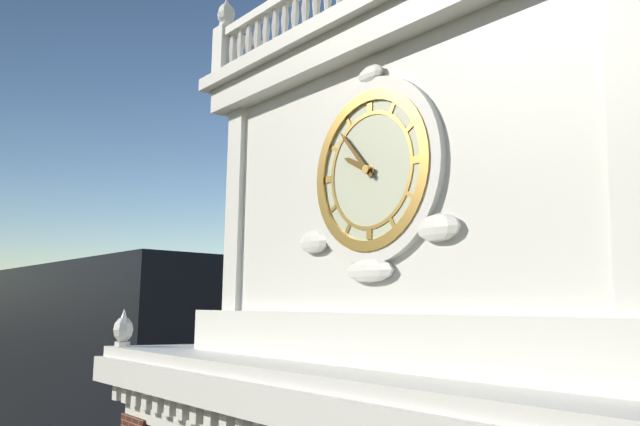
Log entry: 9:53
